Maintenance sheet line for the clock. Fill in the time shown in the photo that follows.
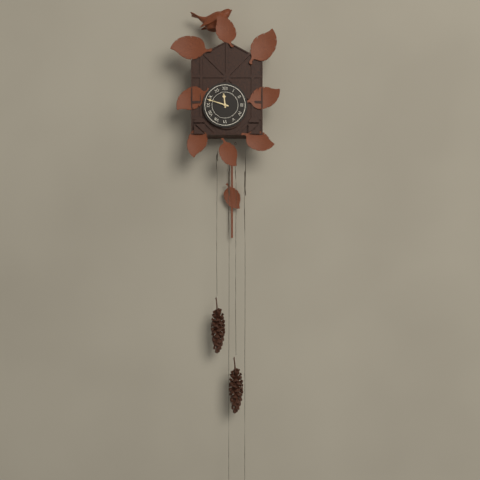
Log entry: 11:48
